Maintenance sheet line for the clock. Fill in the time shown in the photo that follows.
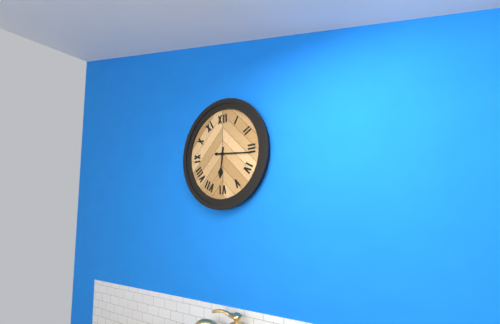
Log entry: 6:16
